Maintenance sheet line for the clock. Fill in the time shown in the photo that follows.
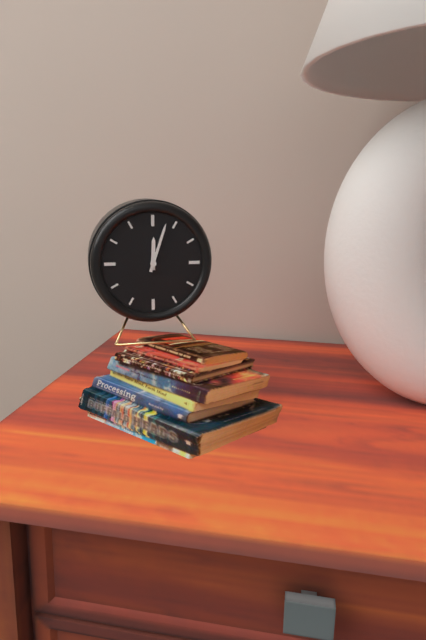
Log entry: 12:03
